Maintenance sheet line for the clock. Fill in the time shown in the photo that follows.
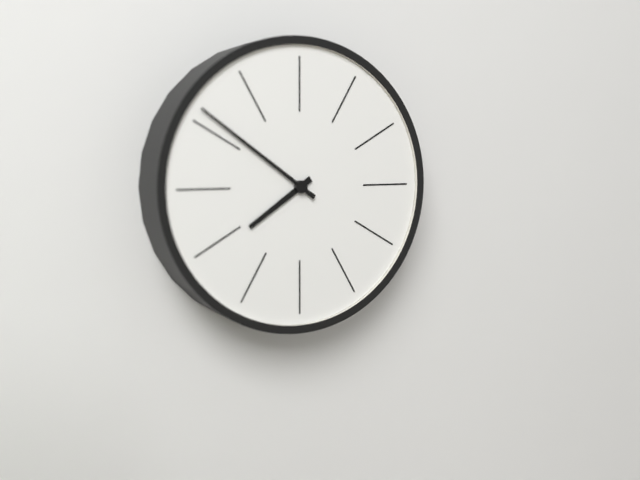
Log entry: 7:51
